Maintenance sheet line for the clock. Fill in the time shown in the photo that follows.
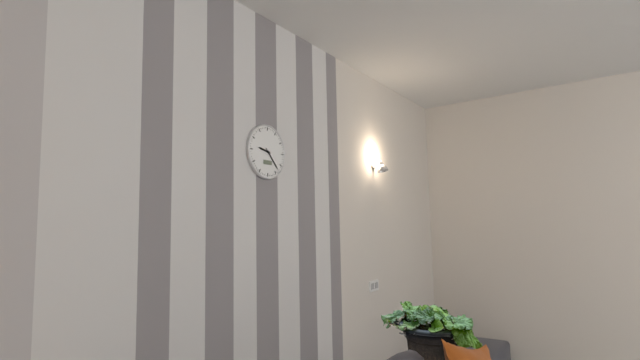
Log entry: 9:23
